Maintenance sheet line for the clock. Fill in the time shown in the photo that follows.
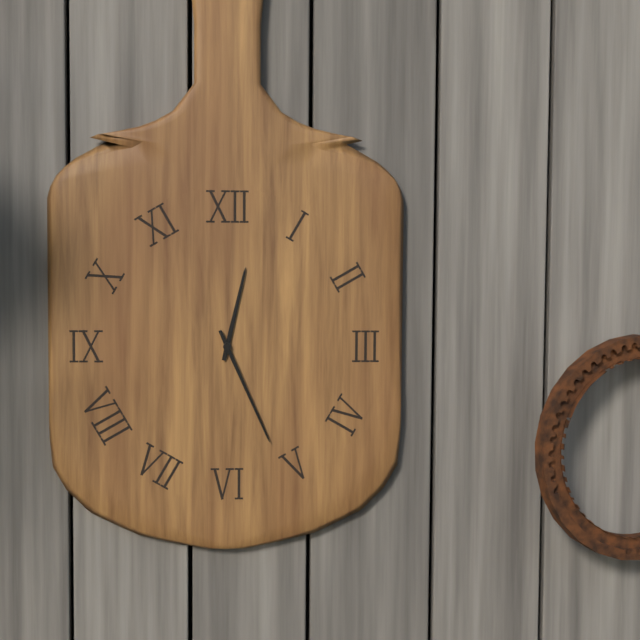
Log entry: 12:26
